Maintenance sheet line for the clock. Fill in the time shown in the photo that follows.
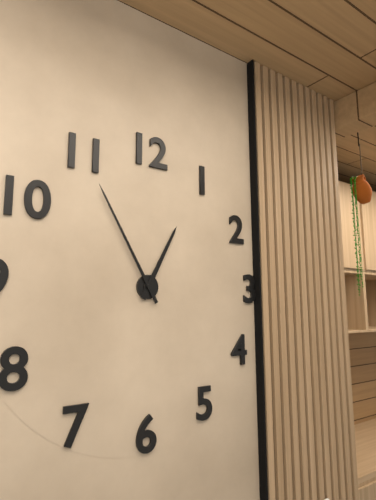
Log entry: 12:55
